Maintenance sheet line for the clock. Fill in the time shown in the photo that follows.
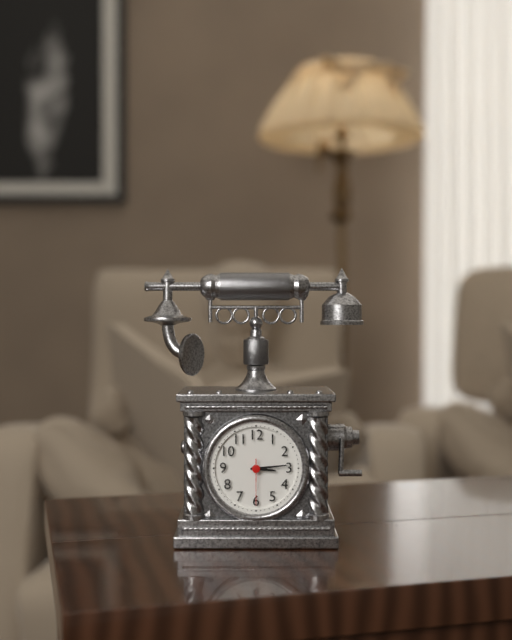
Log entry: 3:14
